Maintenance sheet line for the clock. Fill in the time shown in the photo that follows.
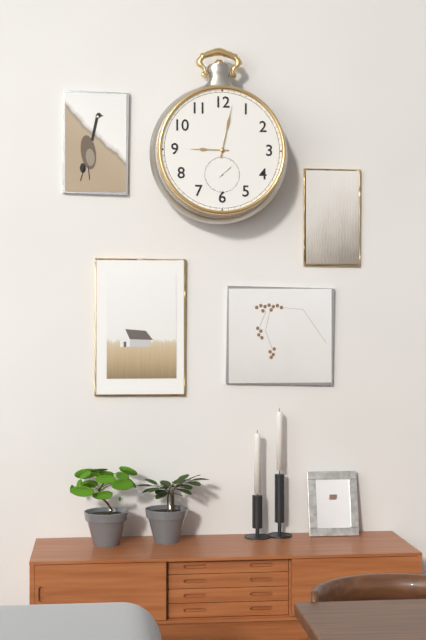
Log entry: 9:02
